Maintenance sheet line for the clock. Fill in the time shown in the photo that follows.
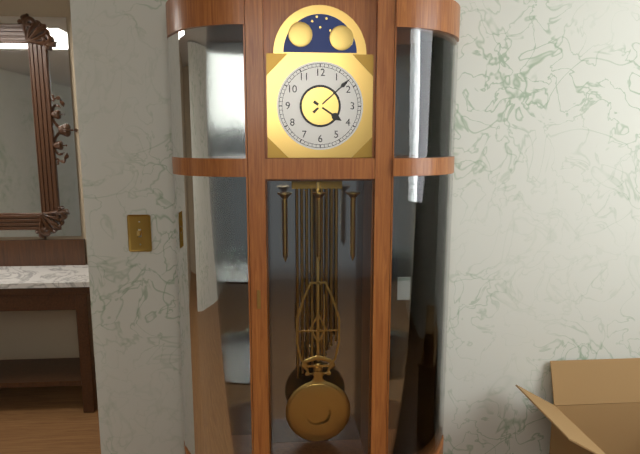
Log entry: 4:08
